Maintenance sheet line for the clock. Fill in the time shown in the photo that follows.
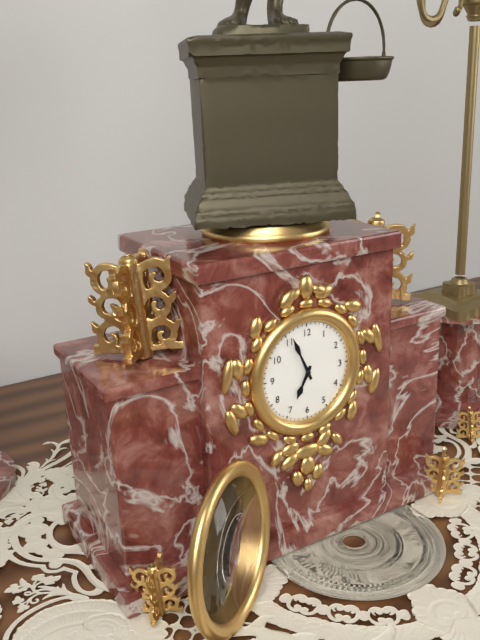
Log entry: 6:56
